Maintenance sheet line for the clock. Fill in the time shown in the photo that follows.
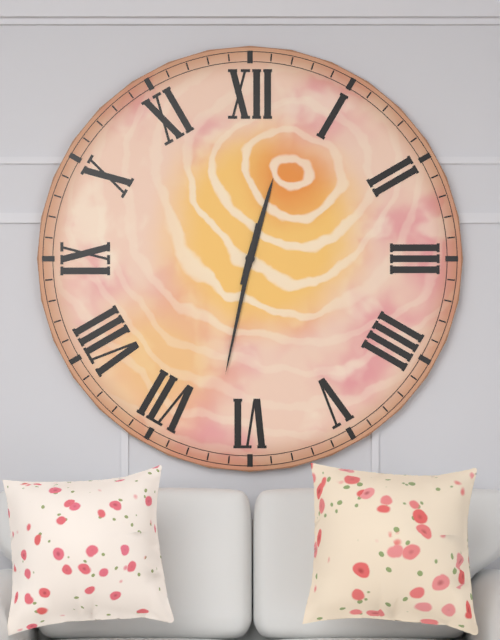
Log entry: 12:32
